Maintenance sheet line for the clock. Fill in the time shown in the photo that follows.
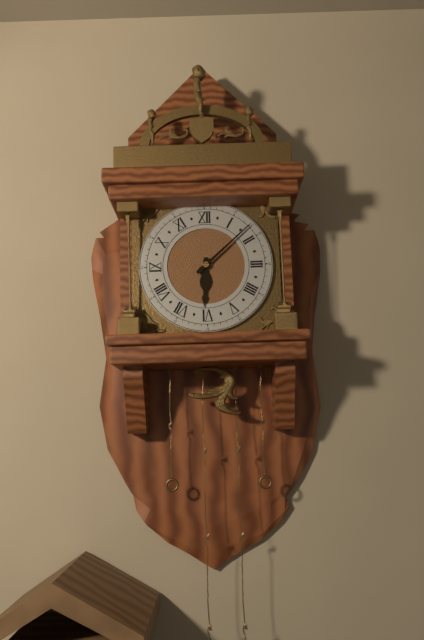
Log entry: 6:08
